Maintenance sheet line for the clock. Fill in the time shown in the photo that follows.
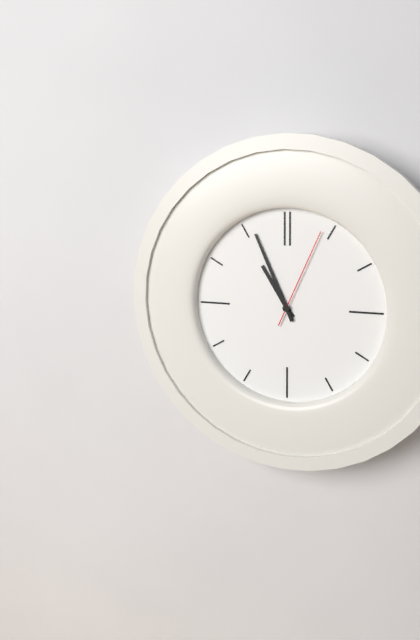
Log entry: 10:56:04
